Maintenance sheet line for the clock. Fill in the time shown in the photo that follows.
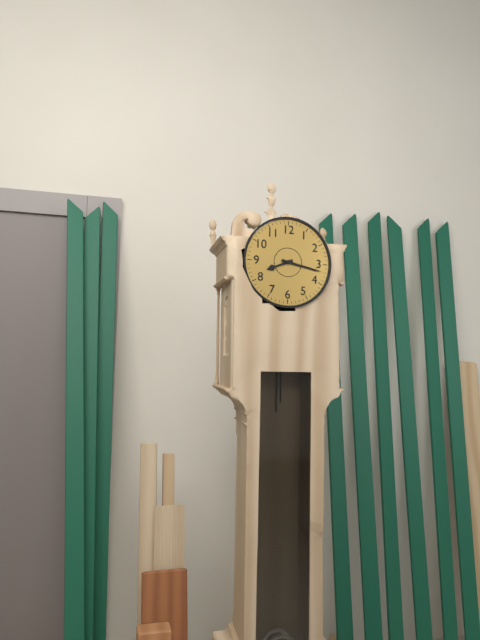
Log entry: 8:17
